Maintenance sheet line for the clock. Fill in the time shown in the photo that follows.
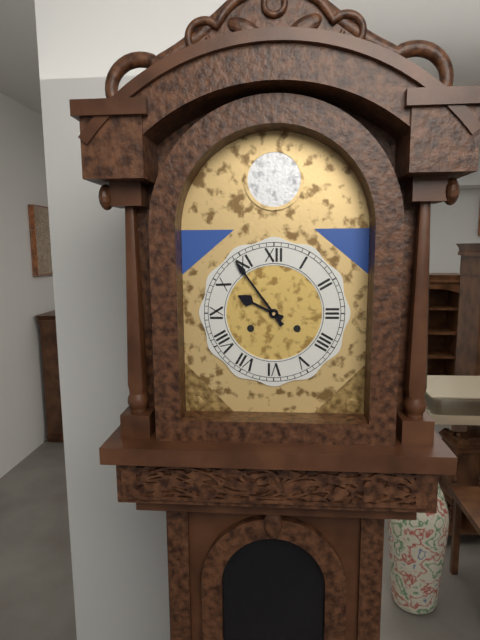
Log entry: 9:54
